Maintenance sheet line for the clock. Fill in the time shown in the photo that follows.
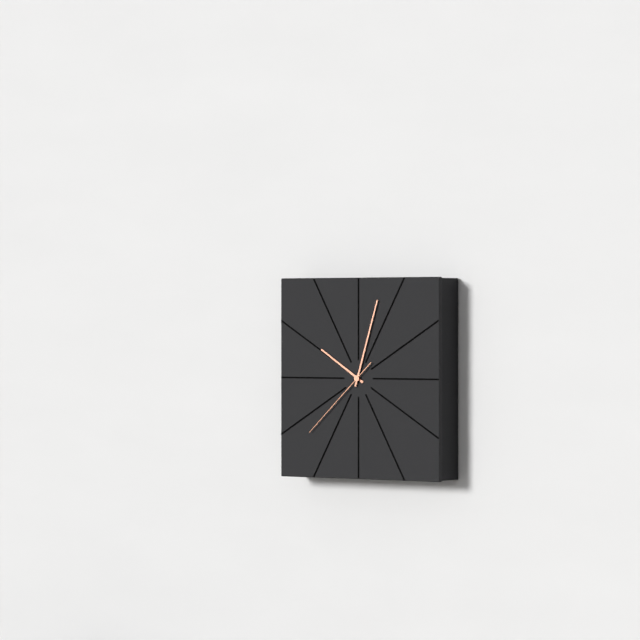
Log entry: 10:03:38
